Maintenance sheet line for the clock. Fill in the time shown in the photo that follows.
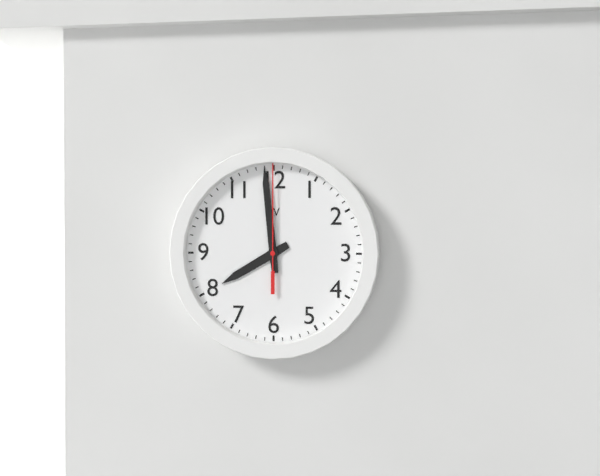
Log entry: 7:59:00
